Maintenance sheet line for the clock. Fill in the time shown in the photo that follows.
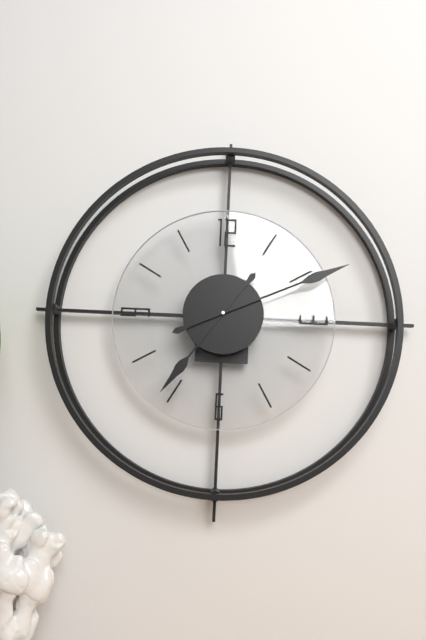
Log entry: 7:11
